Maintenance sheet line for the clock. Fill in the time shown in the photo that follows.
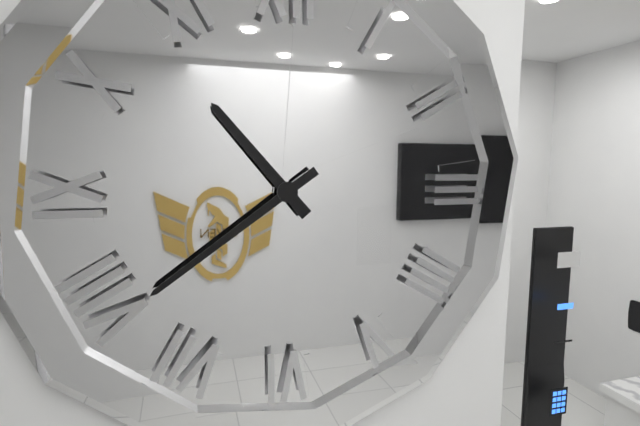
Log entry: 10:39
